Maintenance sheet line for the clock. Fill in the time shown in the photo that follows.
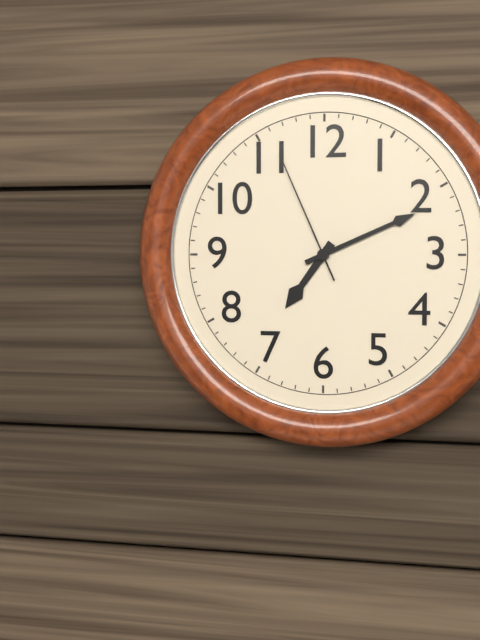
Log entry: 7:11:56
